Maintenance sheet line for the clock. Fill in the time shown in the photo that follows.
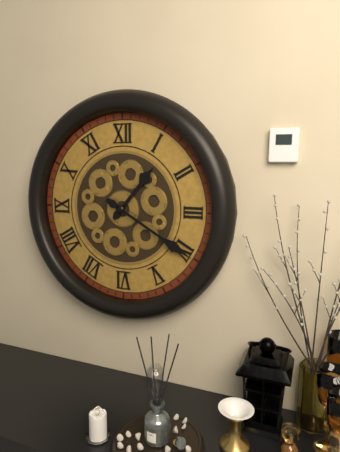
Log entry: 1:20
